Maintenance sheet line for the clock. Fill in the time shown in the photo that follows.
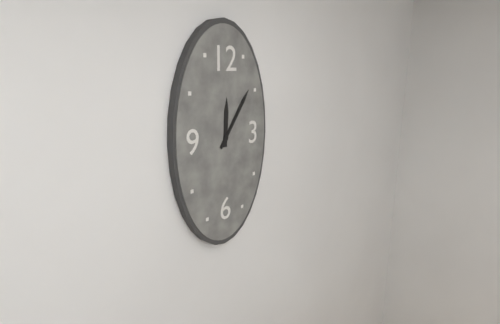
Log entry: 12:06
